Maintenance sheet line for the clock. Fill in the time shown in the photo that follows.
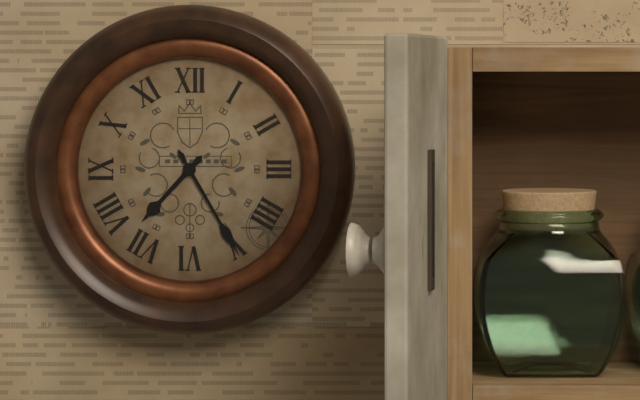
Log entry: 7:25
